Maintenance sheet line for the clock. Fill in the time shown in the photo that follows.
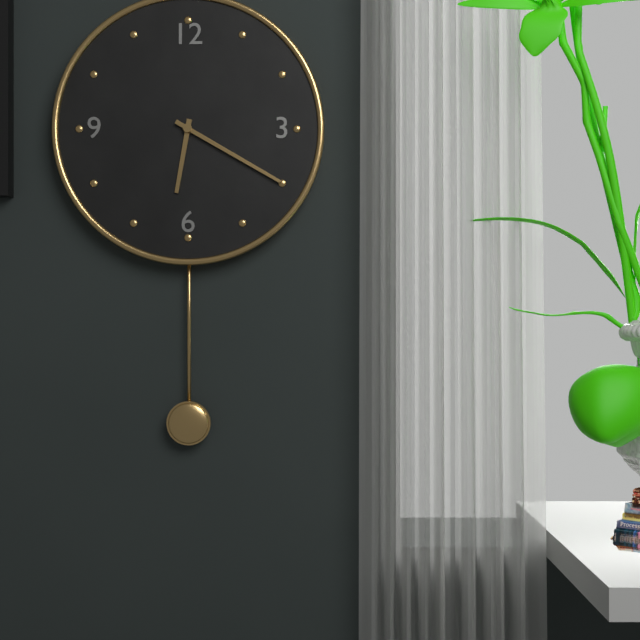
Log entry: 6:20
